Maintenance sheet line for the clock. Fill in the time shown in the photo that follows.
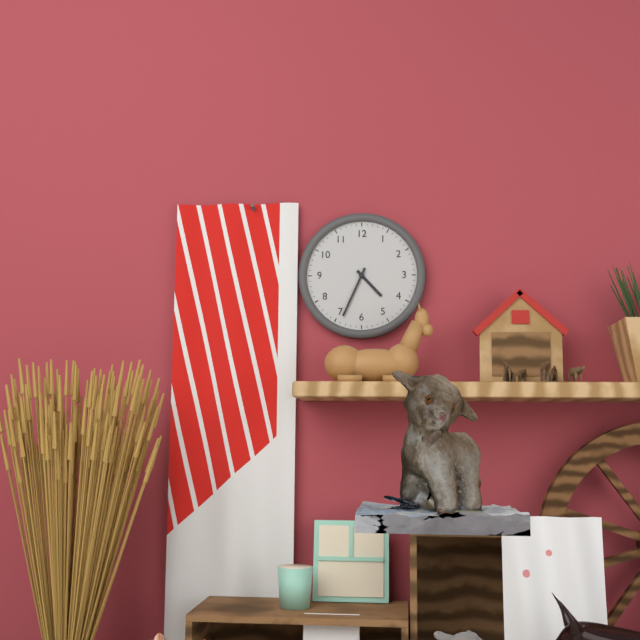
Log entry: 4:34
